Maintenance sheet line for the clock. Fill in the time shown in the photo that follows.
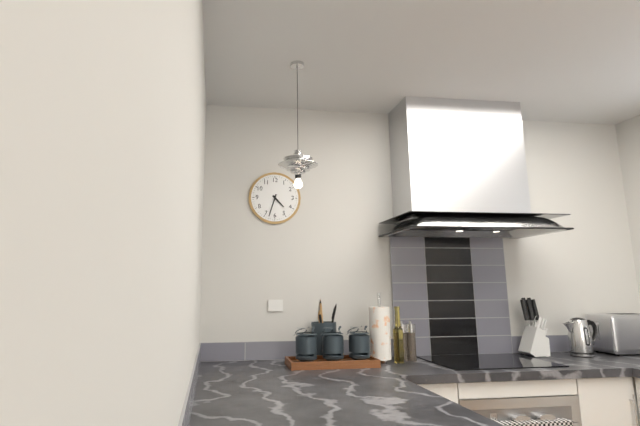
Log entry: 4:33
